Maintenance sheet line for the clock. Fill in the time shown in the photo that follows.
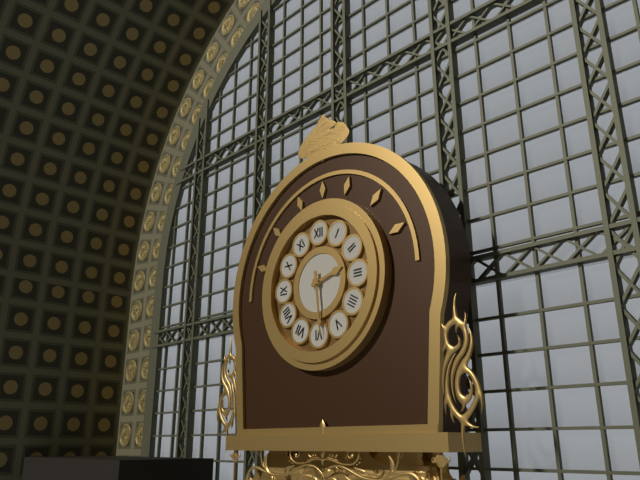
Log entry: 2:29
